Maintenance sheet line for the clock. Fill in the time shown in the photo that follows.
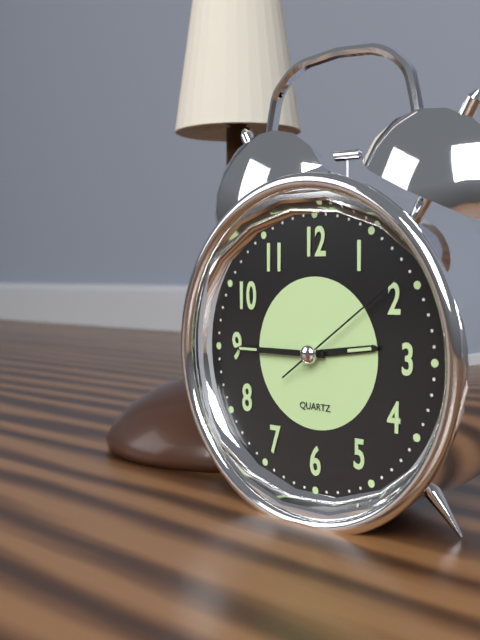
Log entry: 2:45:09
